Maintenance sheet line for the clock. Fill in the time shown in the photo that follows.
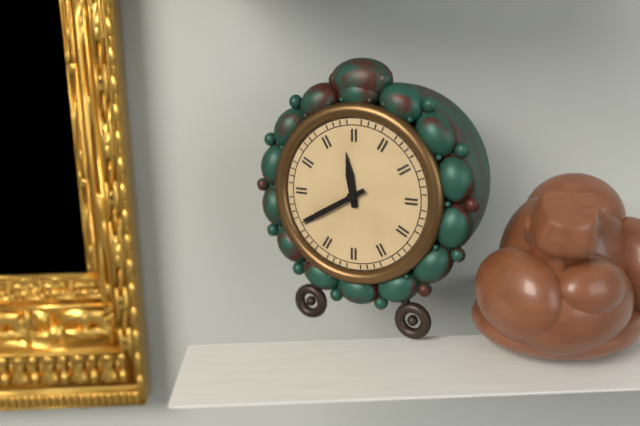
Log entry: 11:40
